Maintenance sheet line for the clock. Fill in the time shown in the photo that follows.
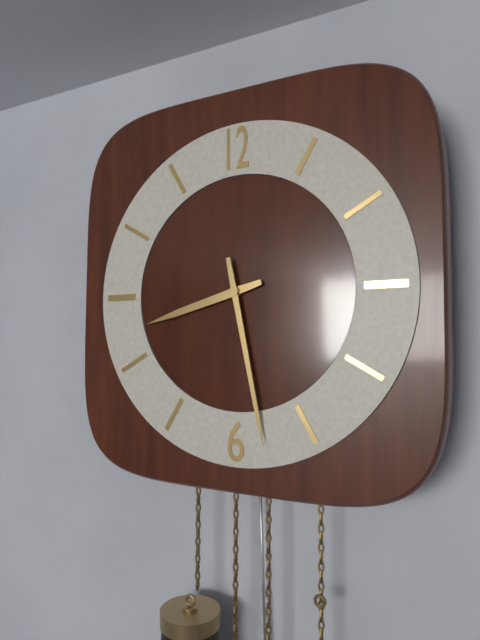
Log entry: 8:28
